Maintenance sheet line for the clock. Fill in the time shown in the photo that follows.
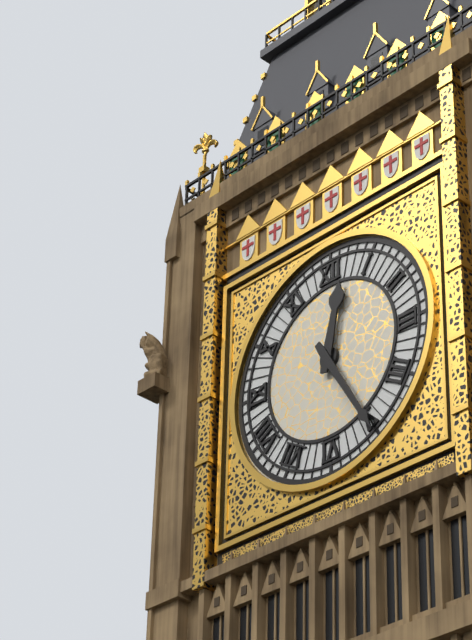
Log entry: 12:25
